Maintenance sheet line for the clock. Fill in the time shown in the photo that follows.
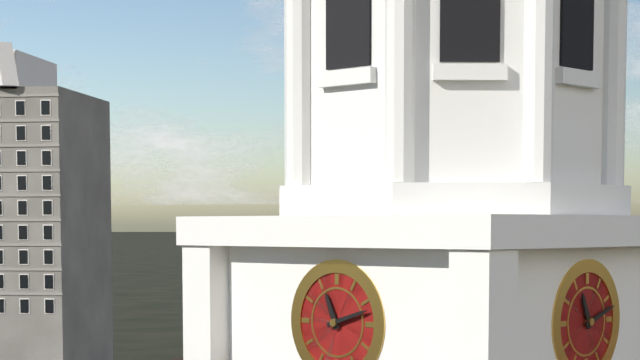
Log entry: 11:12
